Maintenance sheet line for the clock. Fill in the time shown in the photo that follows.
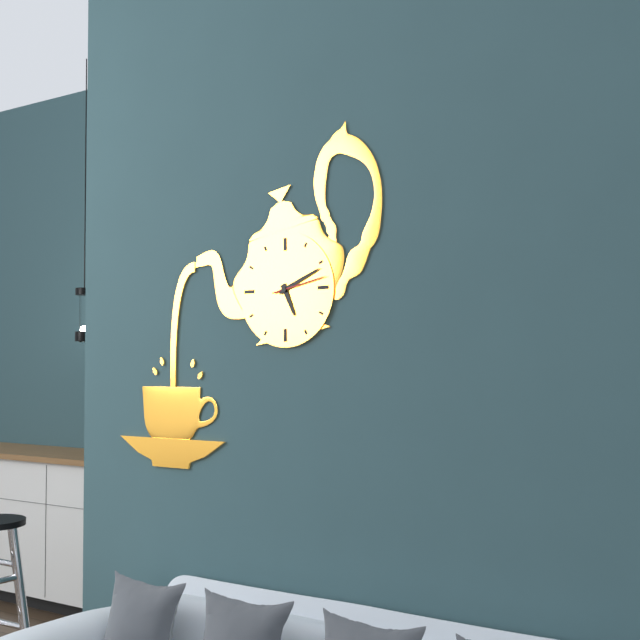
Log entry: 5:11:13
